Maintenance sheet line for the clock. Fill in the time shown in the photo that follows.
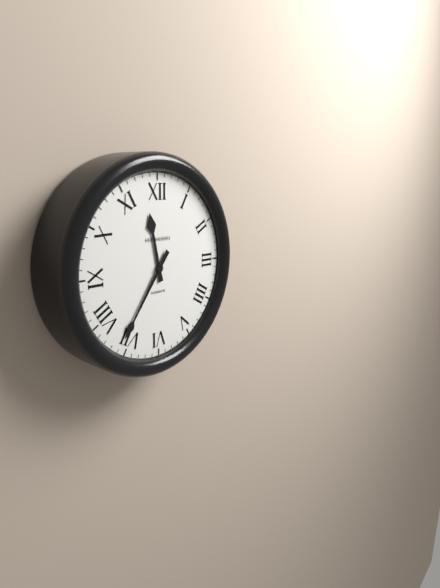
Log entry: 11:36
